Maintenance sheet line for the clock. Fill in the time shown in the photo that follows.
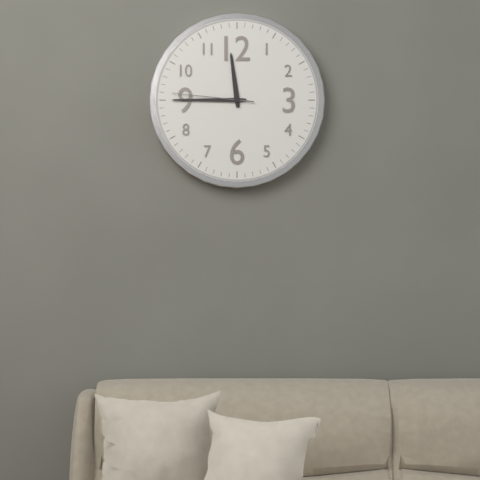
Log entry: 11:45:46
